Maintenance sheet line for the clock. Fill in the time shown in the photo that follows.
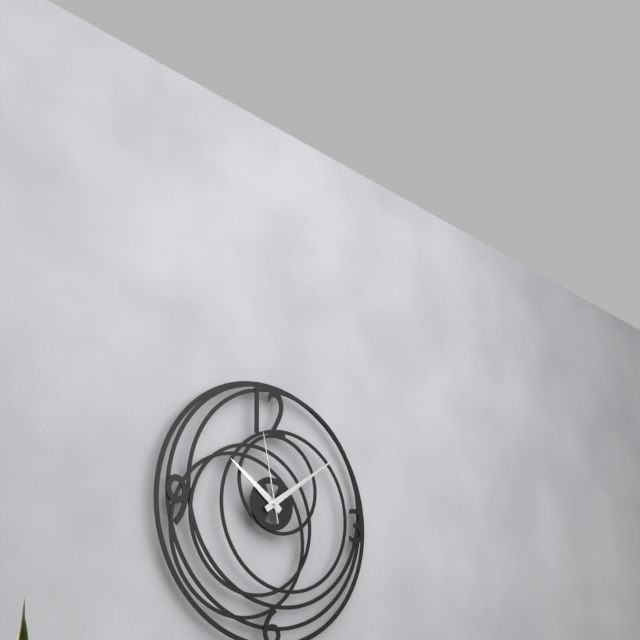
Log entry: 10:09:58
